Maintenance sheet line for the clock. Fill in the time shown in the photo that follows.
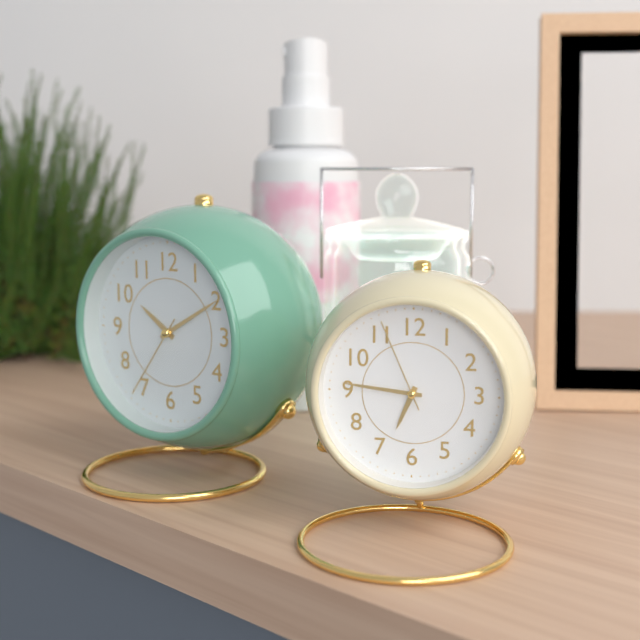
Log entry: 6:46:56
